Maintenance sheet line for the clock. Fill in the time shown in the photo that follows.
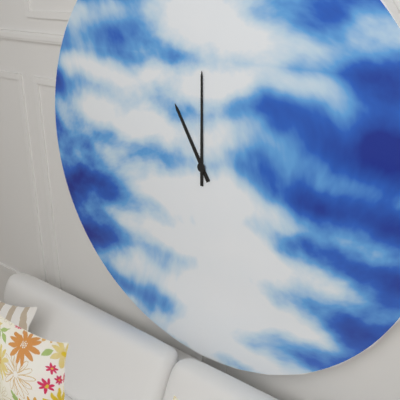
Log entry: 11:00
